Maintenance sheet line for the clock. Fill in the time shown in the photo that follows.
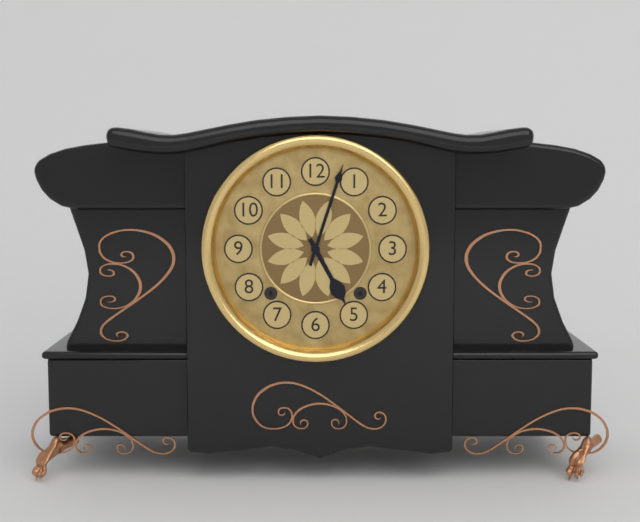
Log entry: 5:03
